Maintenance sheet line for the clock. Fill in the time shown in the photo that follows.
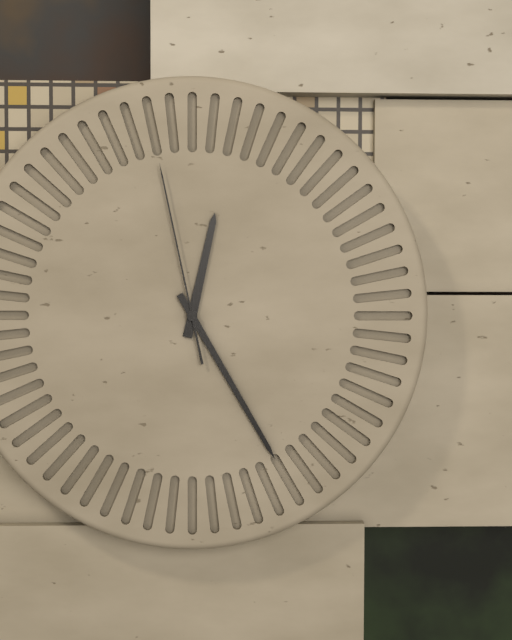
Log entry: 12:25:58
